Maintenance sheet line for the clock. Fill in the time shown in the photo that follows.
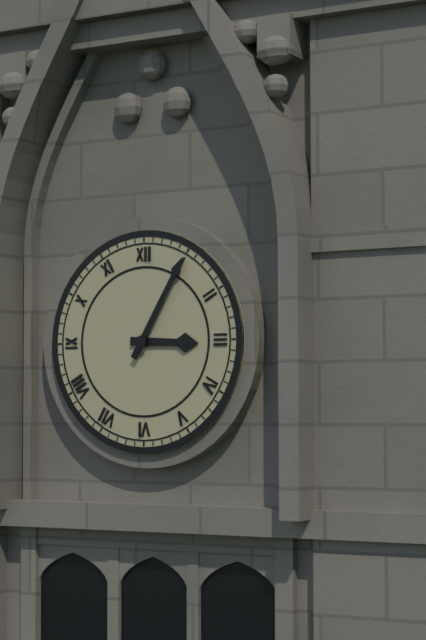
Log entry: 3:05
